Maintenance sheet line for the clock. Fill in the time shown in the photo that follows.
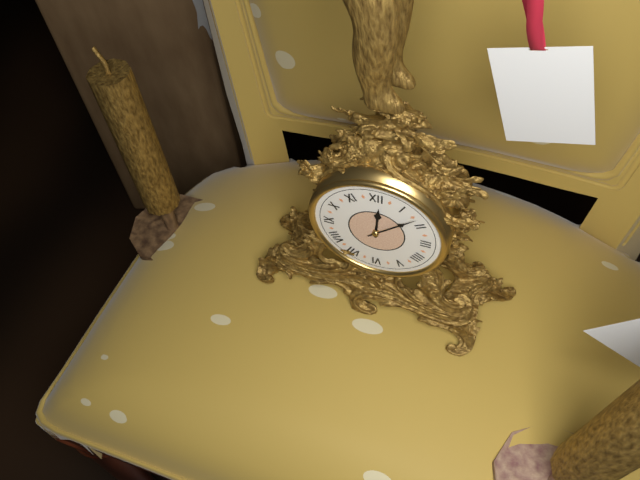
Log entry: 12:08
